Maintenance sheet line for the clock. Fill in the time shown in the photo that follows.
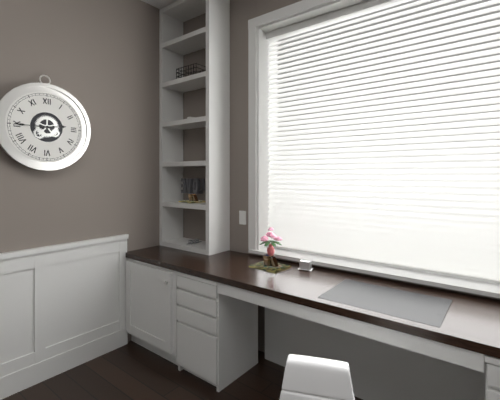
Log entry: 2:45
